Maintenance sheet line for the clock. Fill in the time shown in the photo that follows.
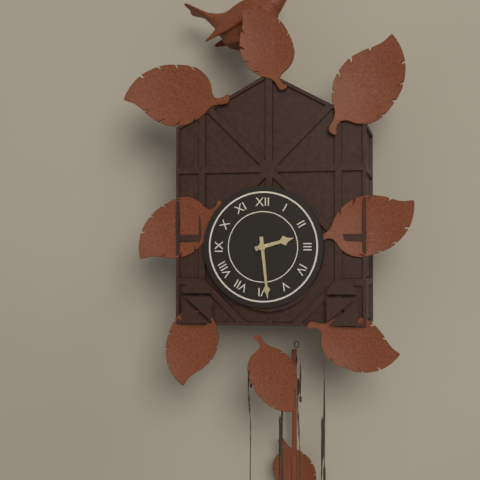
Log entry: 2:29
